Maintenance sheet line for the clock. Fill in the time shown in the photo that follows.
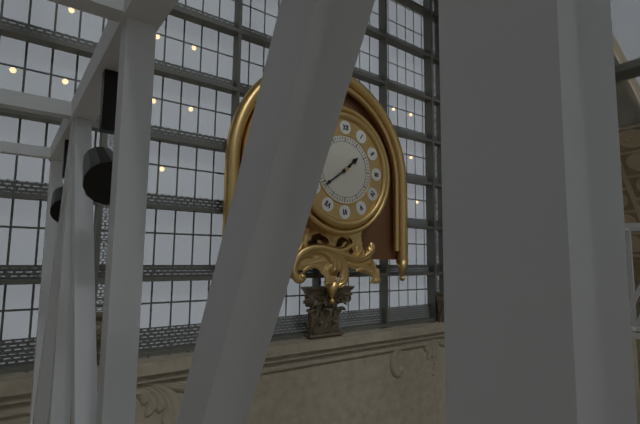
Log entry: 1:39
